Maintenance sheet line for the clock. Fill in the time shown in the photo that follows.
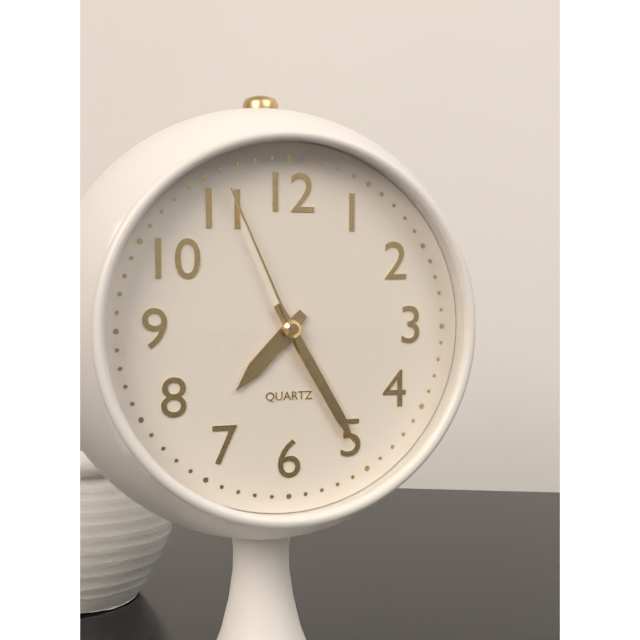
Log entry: 7:25:56
